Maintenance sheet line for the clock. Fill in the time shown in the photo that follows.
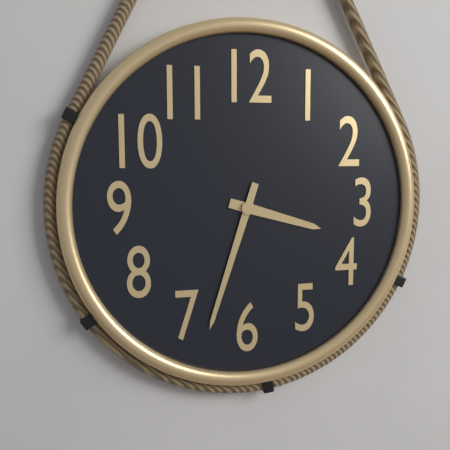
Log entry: 3:33
